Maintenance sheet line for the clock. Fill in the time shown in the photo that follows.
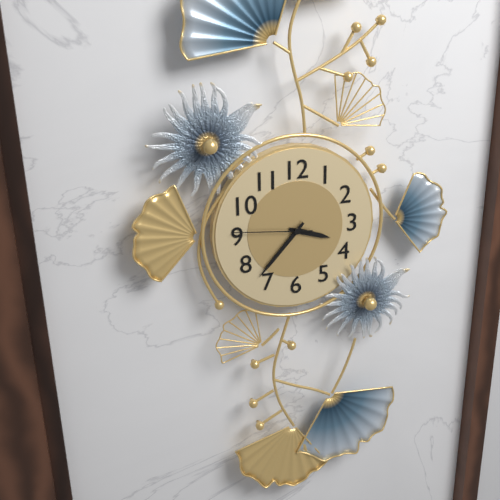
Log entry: 3:37:46
